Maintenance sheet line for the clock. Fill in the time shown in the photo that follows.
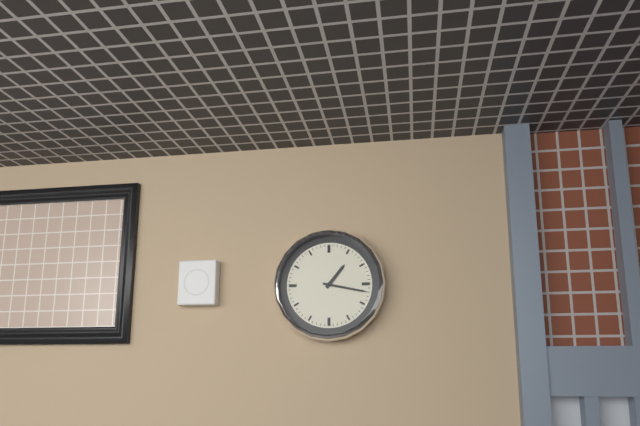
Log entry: 1:17
